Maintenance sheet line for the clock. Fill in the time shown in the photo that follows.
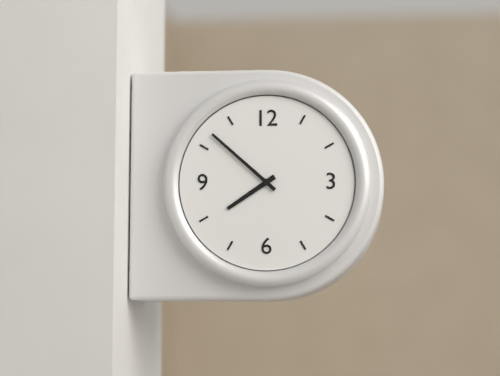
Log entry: 7:52
